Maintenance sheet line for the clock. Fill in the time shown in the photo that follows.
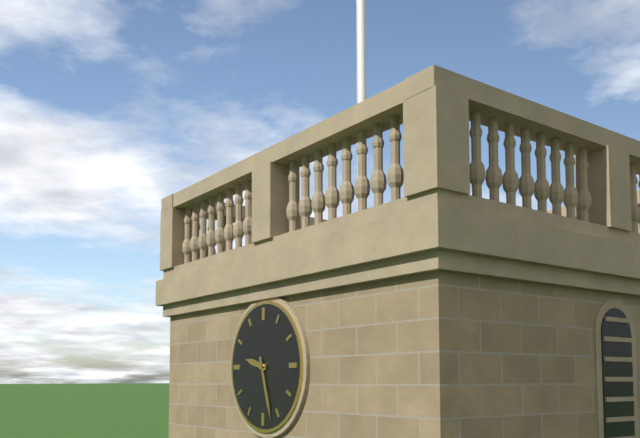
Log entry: 9:27
